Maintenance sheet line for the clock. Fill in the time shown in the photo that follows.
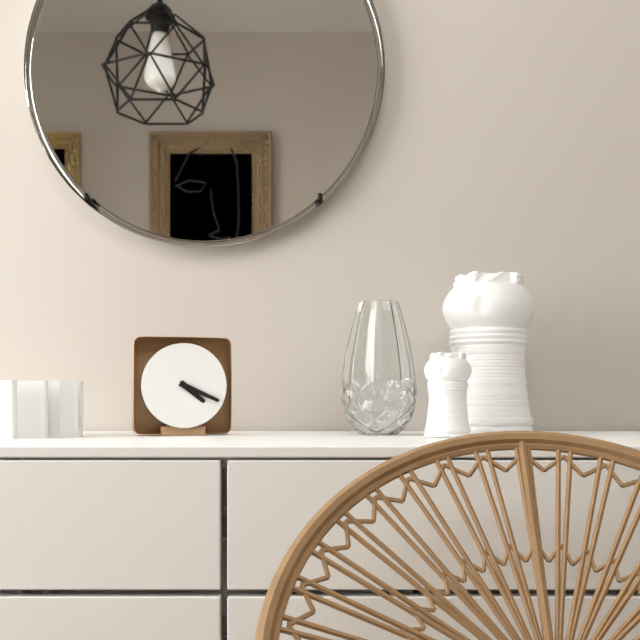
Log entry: 4:19
